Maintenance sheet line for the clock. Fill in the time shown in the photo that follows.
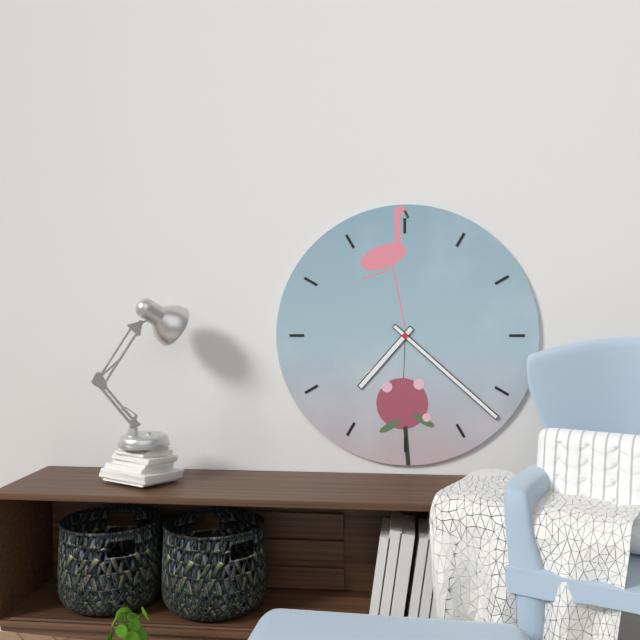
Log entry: 7:22
